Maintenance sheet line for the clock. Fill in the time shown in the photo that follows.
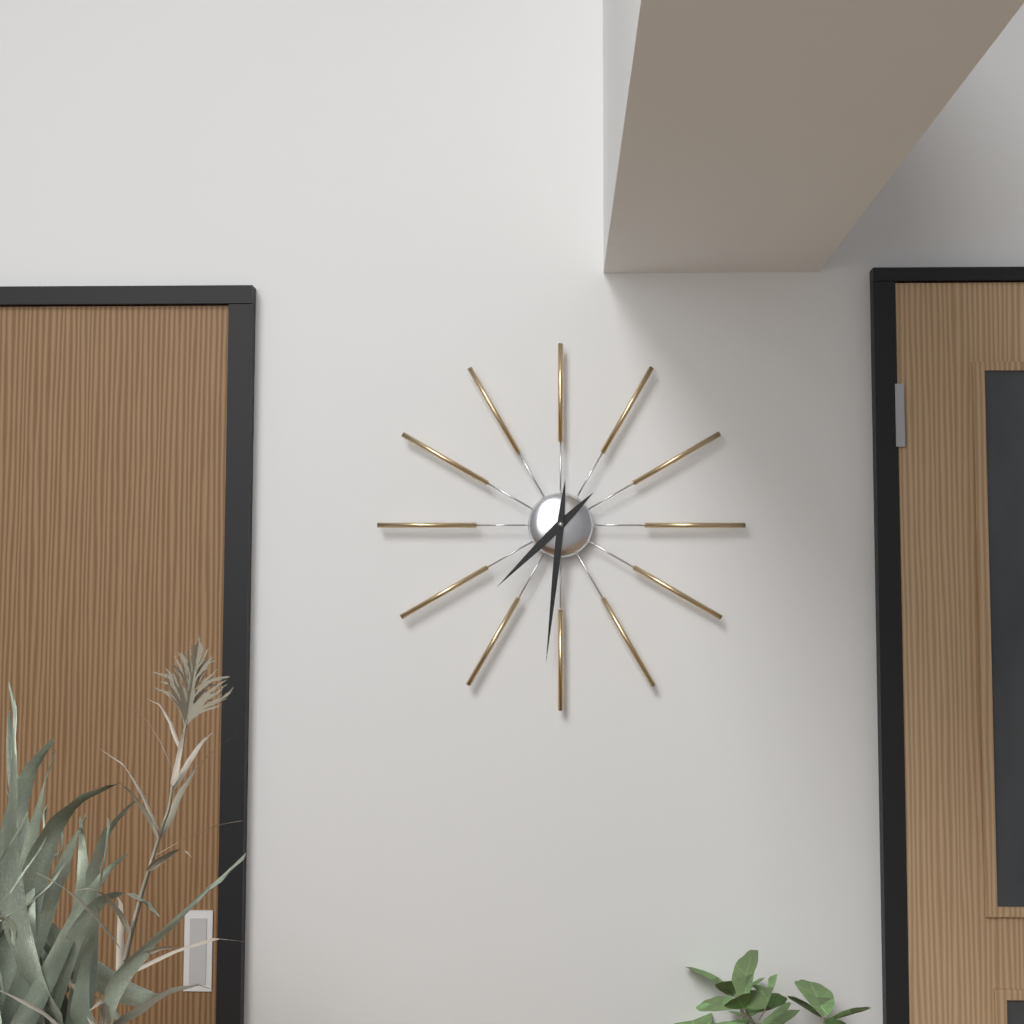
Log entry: 7:31
